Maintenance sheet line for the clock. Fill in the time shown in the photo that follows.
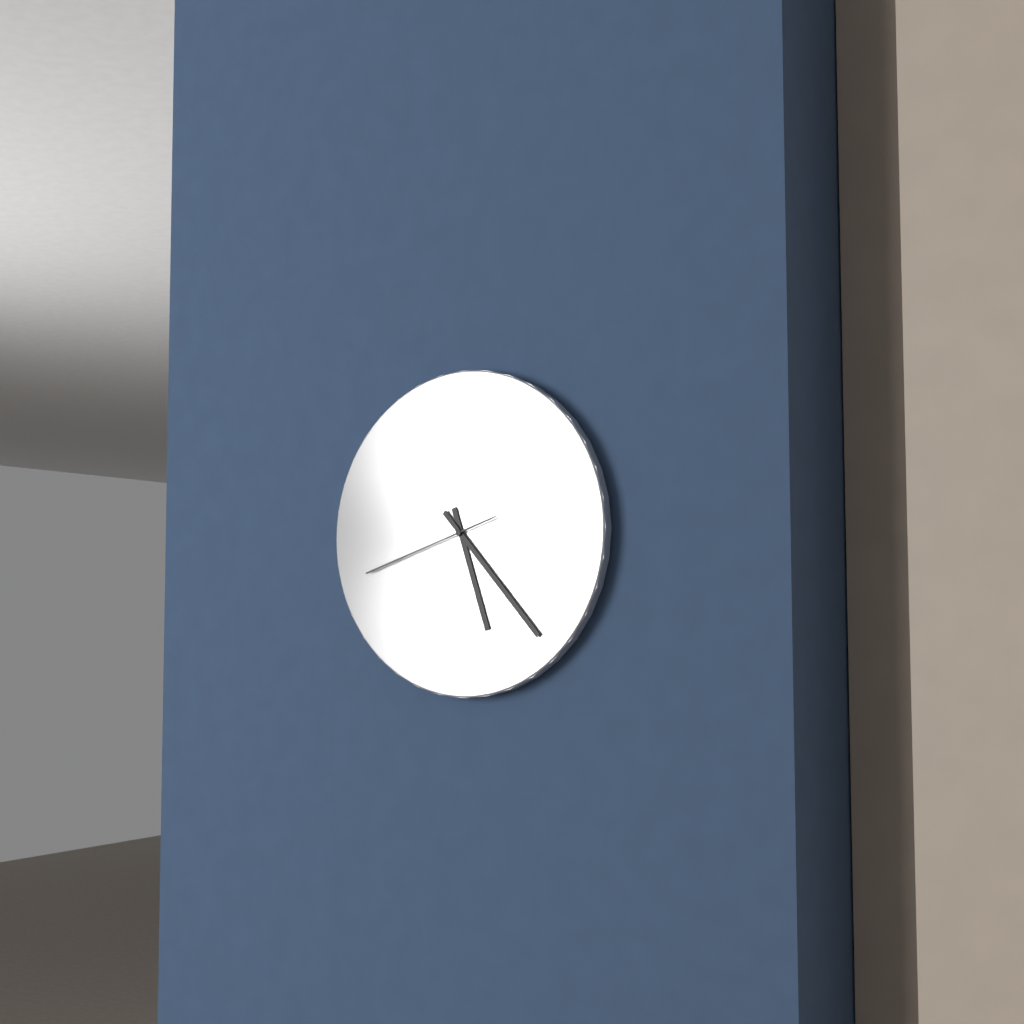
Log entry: 5:23:42
